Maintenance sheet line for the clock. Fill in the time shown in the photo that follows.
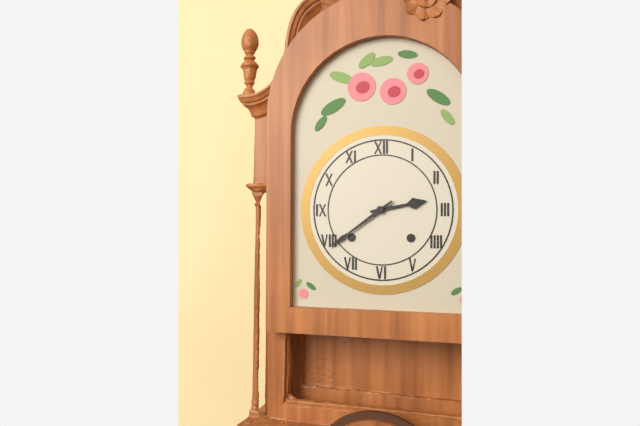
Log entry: 2:39
